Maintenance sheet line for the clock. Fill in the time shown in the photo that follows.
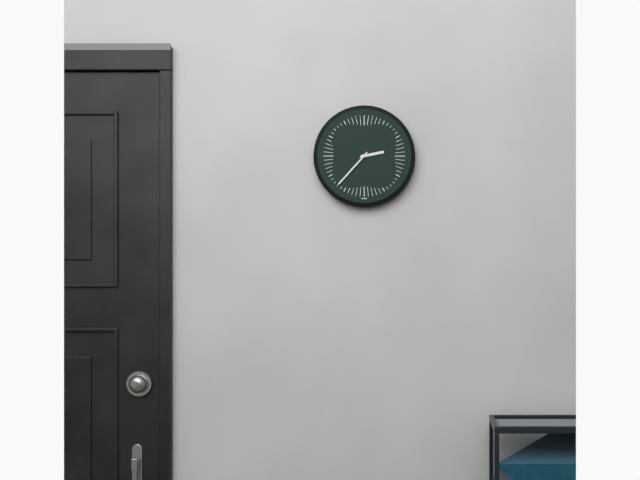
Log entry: 2:37
